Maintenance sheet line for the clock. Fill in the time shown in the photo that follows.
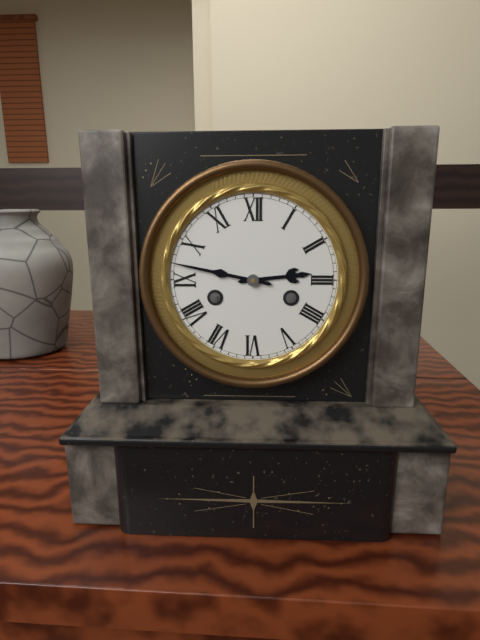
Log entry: 2:47
